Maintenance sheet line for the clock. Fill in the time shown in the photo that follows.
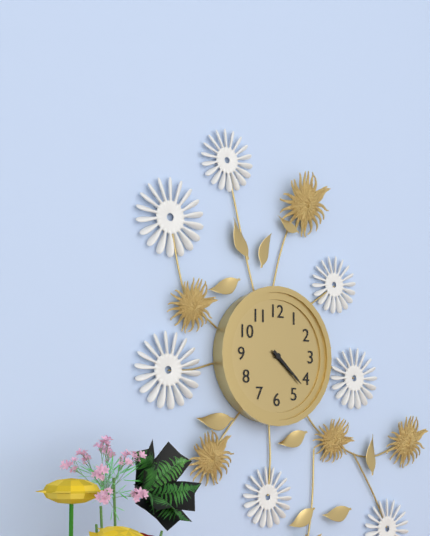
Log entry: 4:22
